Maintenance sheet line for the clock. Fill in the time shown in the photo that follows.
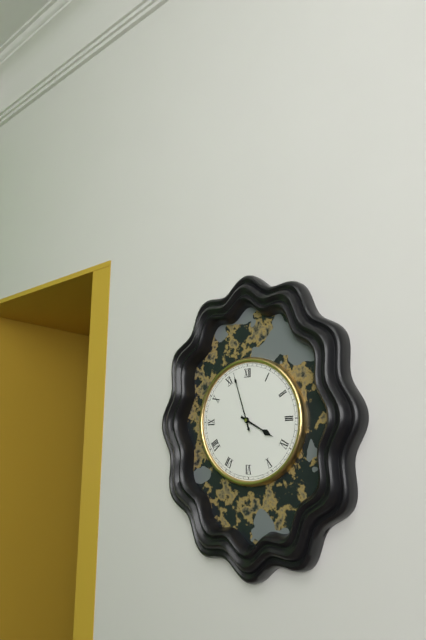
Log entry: 3:57
